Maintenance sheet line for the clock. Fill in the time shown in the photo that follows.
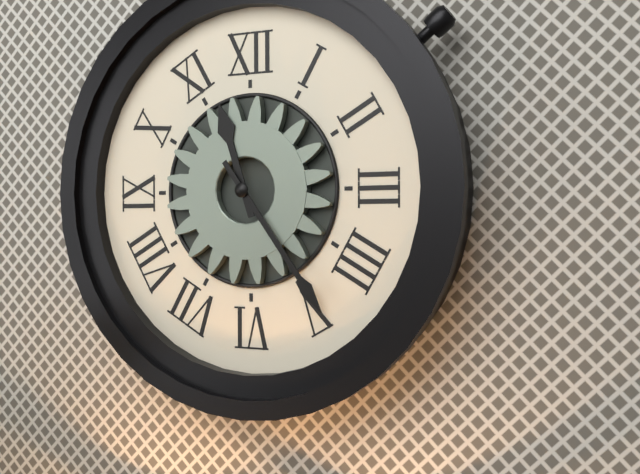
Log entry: 11:24
